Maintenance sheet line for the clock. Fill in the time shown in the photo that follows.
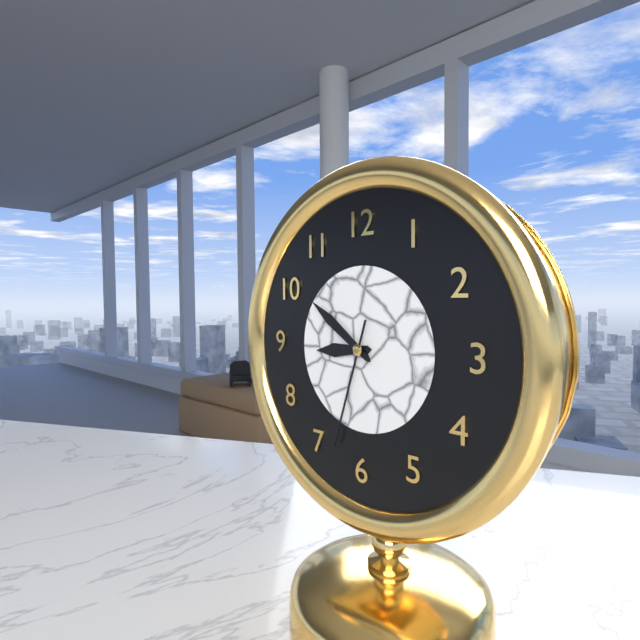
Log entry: 8:51:33
